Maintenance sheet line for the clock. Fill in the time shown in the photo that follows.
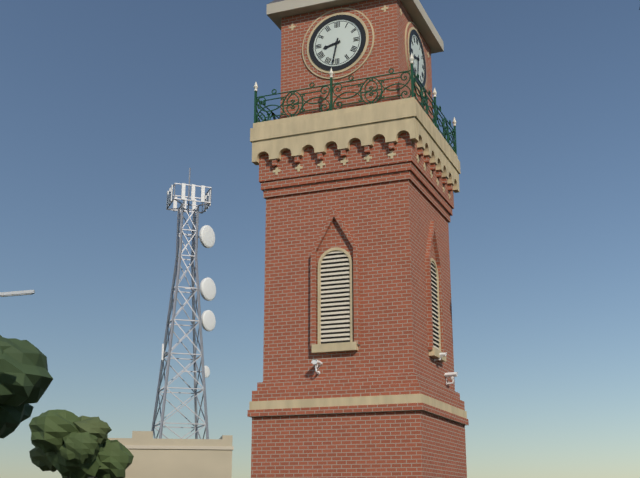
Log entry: 8:32
